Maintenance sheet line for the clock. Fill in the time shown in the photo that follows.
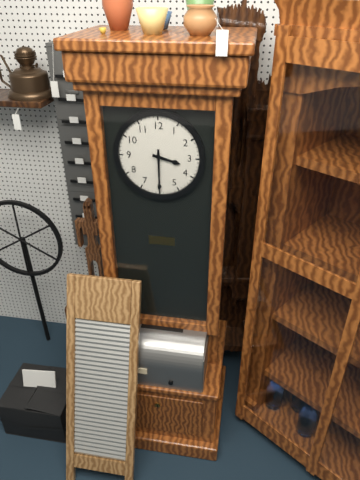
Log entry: 3:30
